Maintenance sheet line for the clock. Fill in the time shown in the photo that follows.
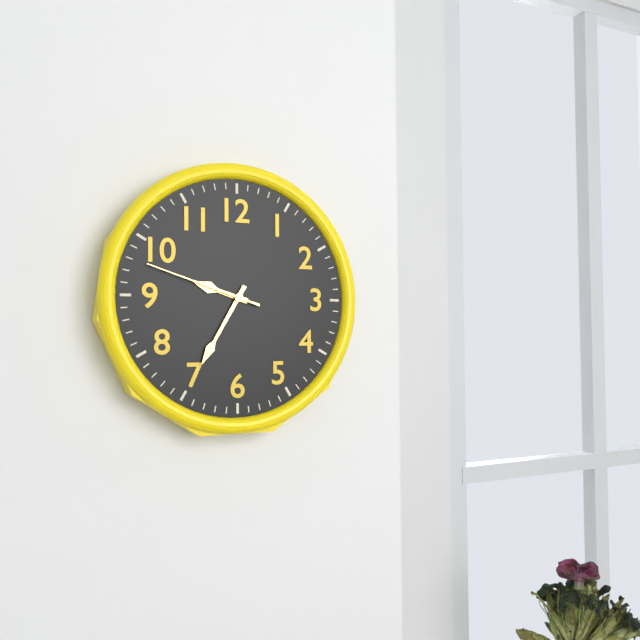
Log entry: 9:35:48
